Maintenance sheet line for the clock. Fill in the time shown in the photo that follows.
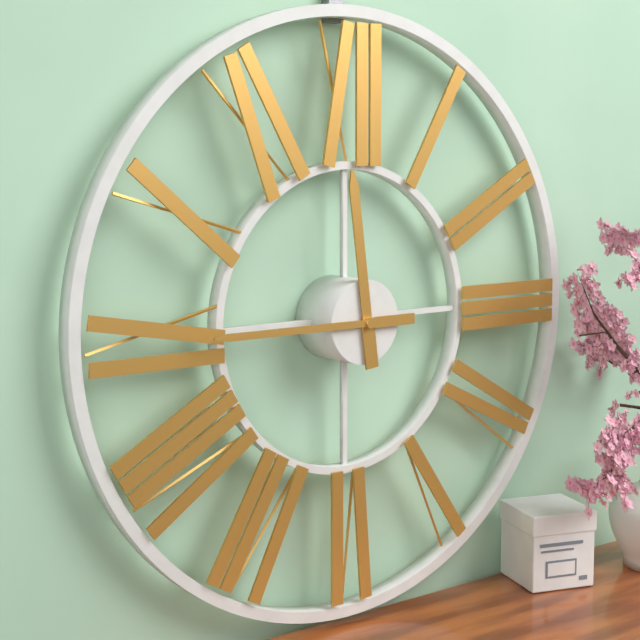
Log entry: 11:45
